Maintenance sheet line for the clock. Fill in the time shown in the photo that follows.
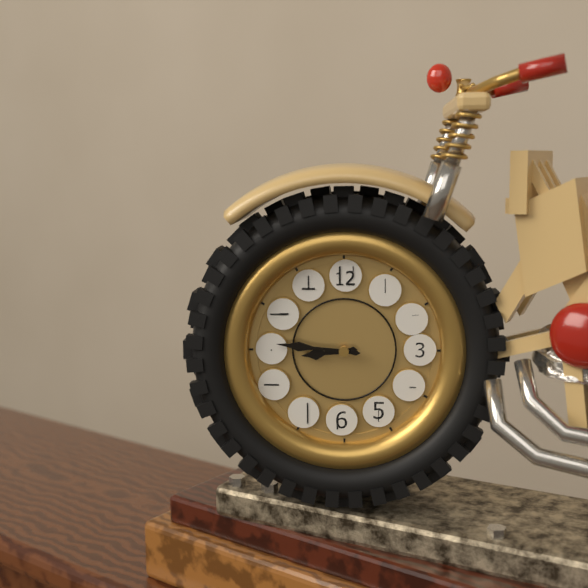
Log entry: 8:46
